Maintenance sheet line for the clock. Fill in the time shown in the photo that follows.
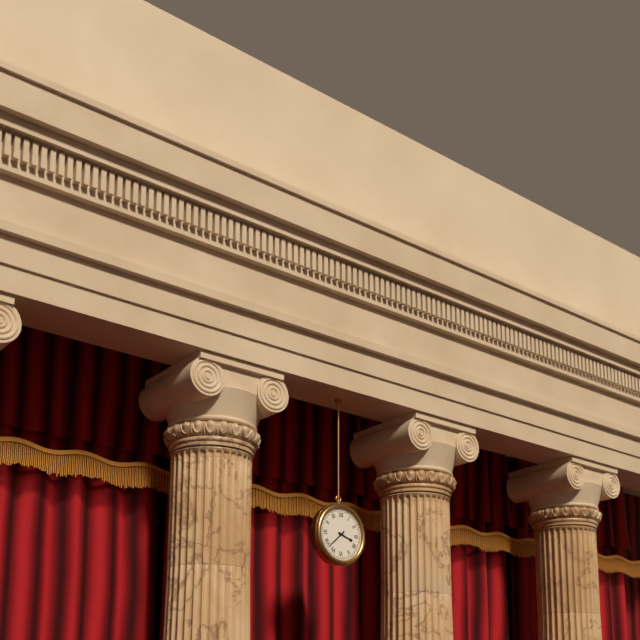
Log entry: 3:38
